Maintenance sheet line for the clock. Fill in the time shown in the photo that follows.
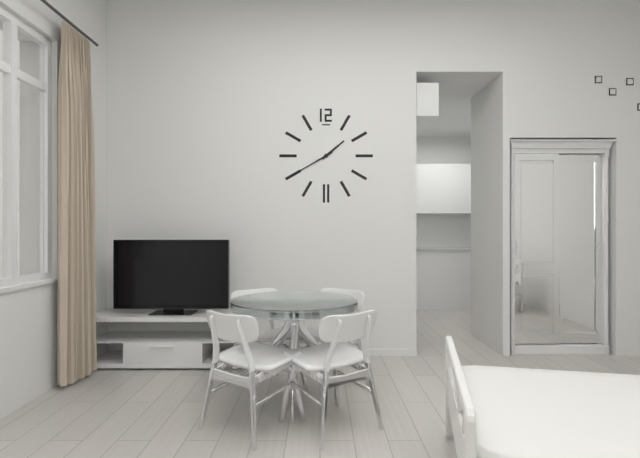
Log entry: 1:40
